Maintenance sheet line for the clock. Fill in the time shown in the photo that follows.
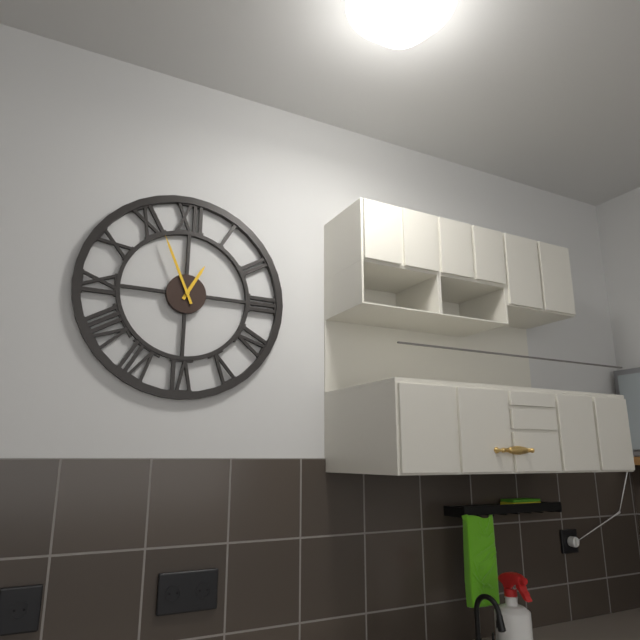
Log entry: 12:56
